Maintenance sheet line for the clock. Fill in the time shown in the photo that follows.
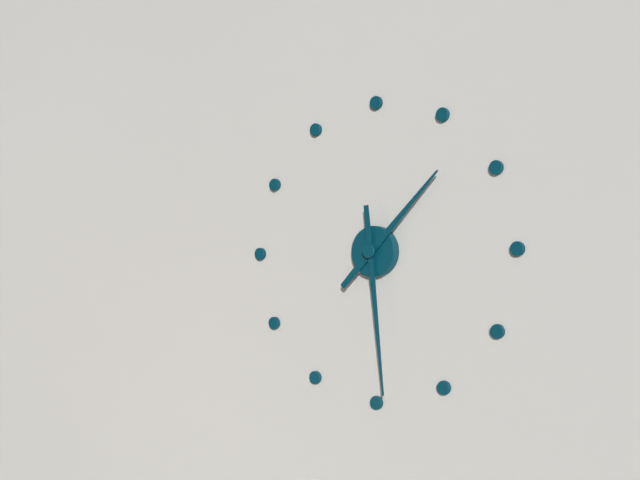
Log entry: 1:29
